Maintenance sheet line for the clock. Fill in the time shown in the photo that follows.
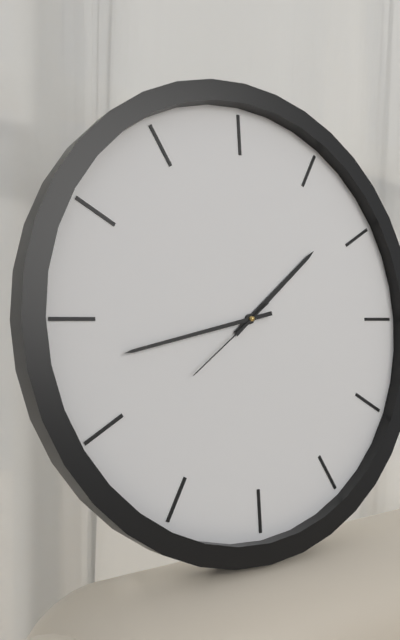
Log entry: 1:43:39
